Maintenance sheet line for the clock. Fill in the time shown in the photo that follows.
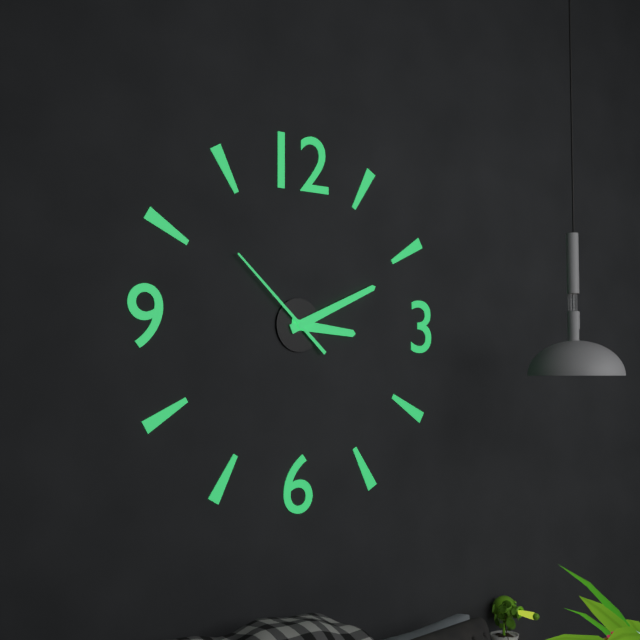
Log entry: 3:11:52
